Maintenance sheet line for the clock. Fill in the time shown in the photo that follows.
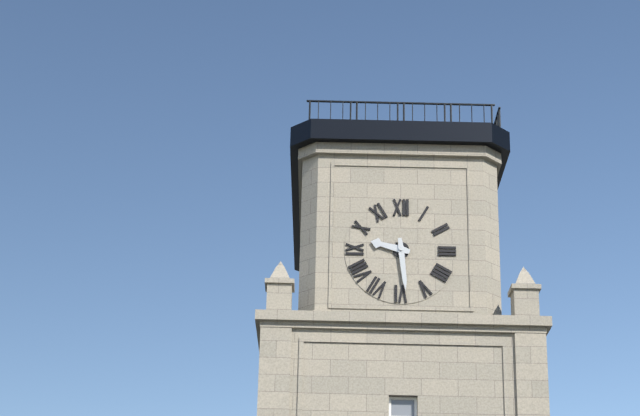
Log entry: 9:29
